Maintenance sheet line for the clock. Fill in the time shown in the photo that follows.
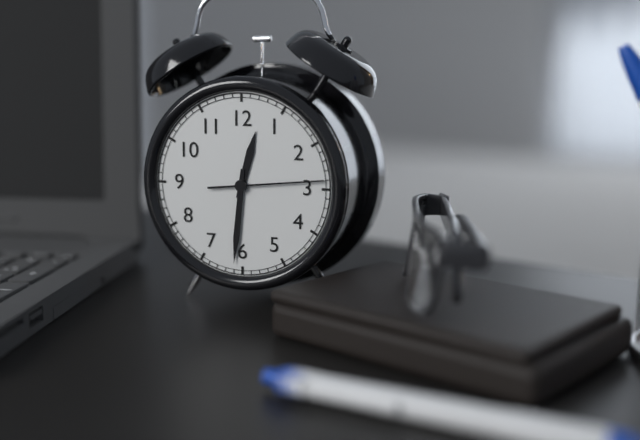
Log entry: 12:31:14
